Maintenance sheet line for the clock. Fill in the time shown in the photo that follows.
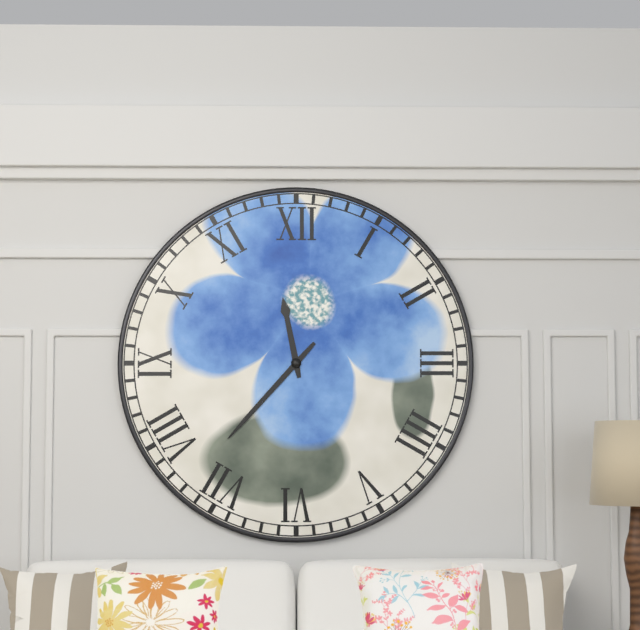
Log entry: 11:37
